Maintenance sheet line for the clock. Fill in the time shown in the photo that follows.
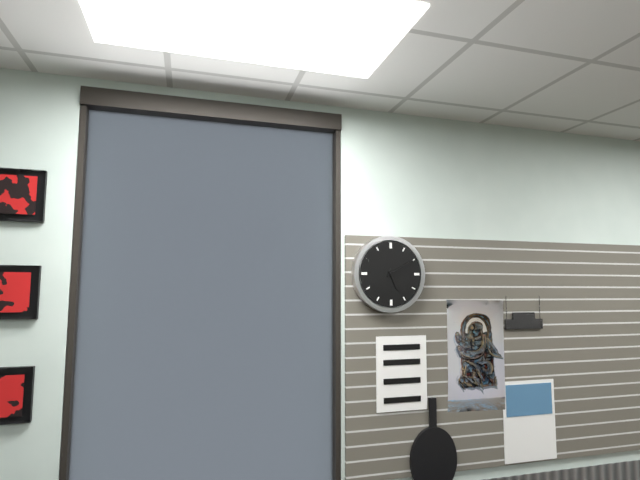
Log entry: 5:10
